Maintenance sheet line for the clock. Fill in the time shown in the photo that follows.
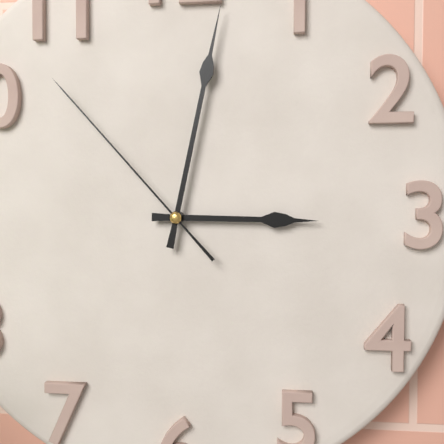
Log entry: 3:02:53
